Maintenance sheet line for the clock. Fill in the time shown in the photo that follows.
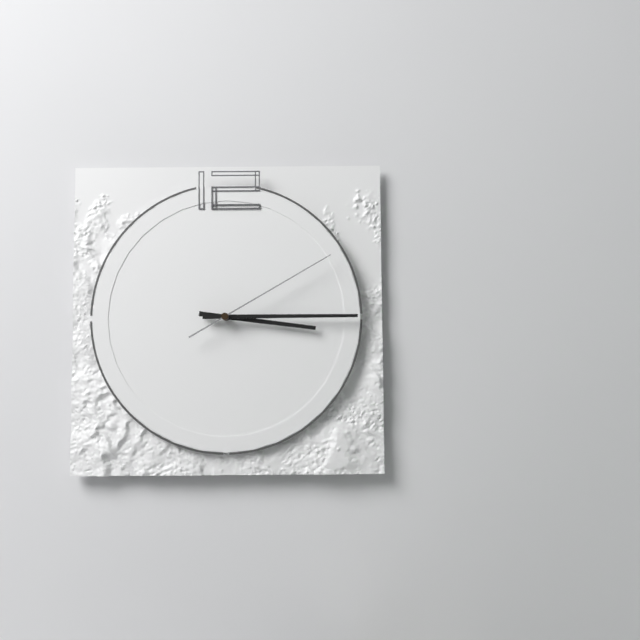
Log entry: 3:15:10
